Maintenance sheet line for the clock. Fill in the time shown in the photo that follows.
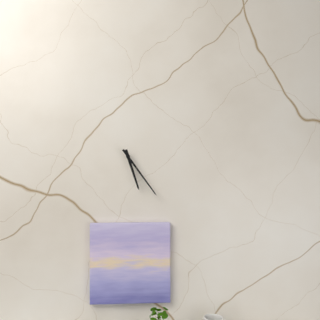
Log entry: 5:24
